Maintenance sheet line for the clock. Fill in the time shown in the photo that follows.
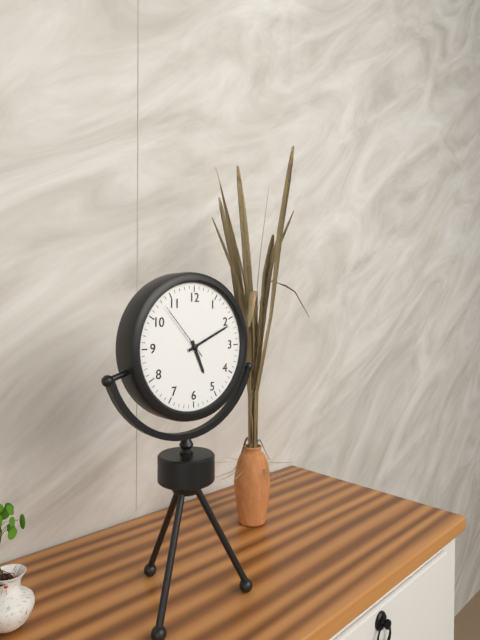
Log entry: 5:11:53
